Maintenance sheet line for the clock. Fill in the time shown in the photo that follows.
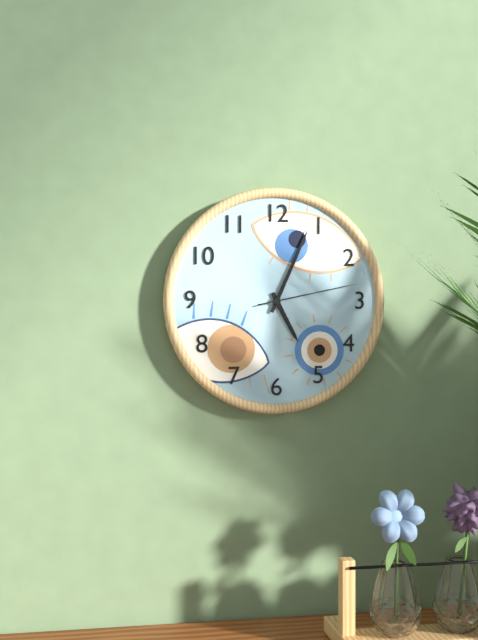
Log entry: 5:04:13
